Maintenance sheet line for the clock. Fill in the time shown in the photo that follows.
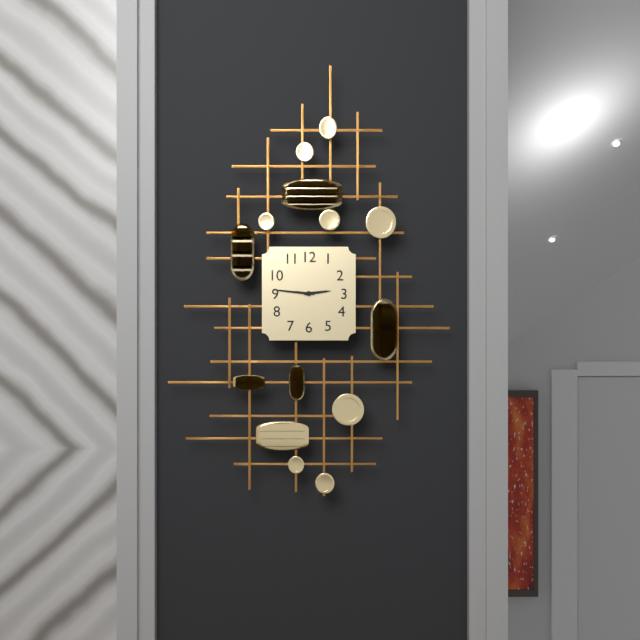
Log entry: 2:46
